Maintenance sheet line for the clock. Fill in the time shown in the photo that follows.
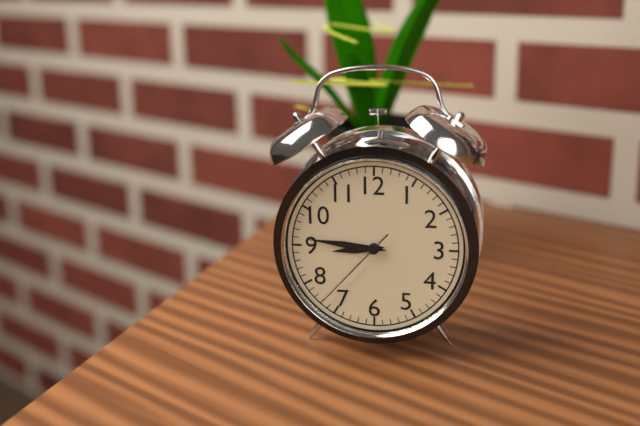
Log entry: 8:46:37
